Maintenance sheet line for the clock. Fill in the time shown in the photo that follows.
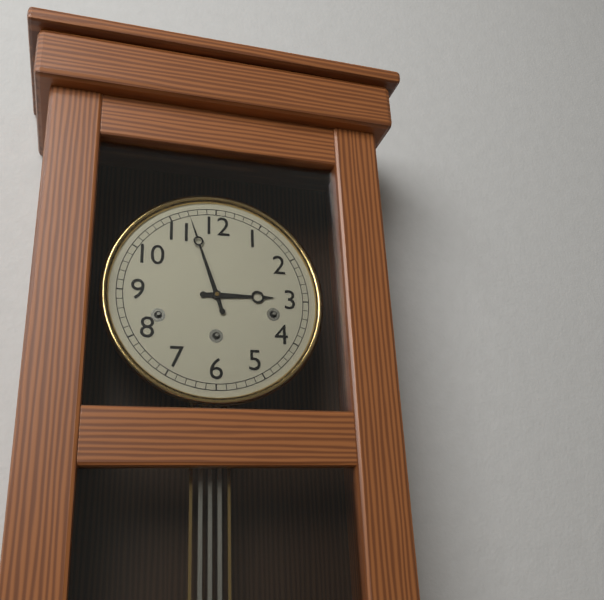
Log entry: 2:57
